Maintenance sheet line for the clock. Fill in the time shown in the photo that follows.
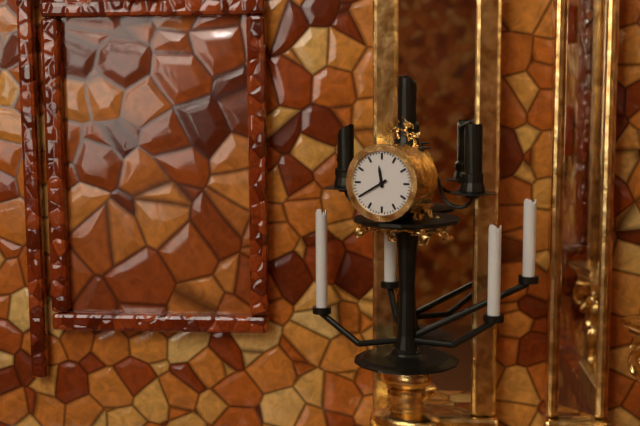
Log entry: 11:40
